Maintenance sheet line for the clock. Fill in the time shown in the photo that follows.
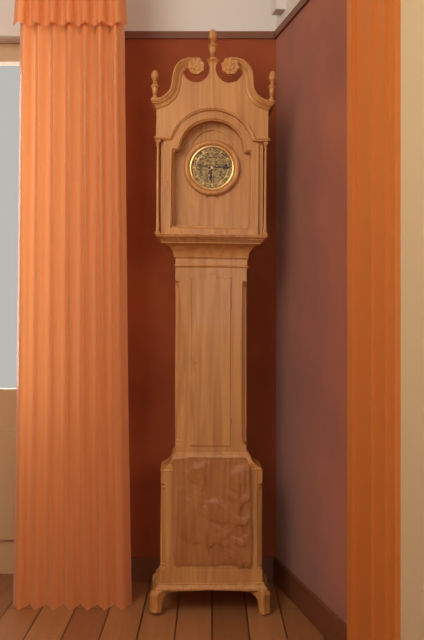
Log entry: 6:15
